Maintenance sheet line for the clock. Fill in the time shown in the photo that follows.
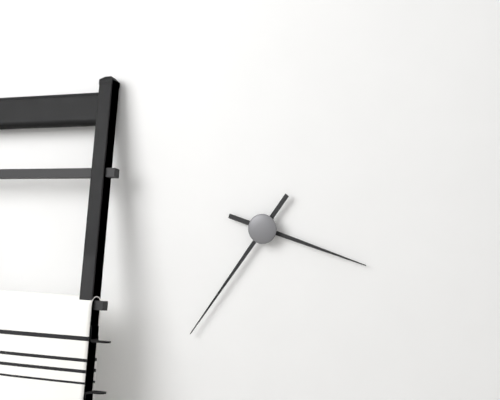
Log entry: 3:36
